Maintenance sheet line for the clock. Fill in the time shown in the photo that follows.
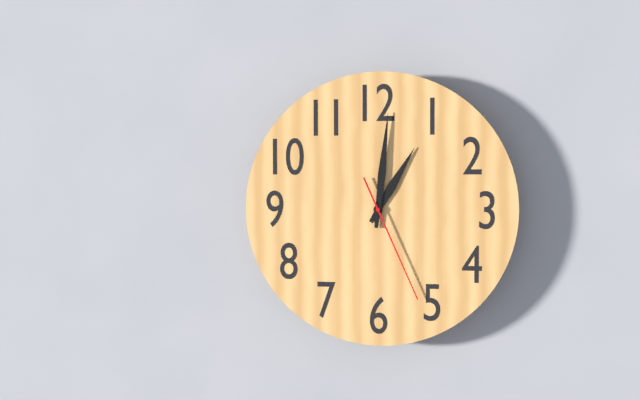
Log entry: 1:01:26
